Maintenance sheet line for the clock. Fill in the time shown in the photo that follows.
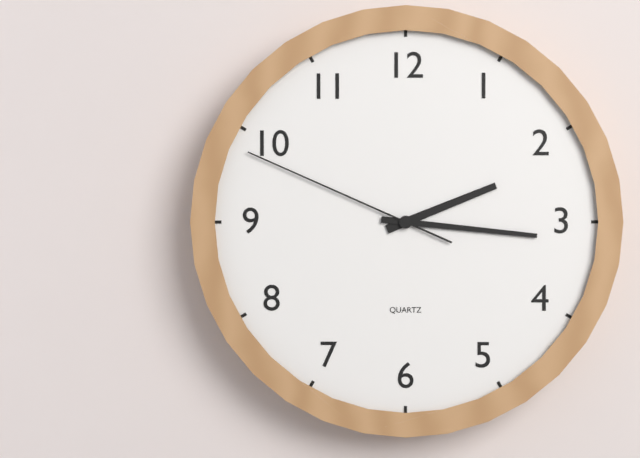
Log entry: 2:16:49
